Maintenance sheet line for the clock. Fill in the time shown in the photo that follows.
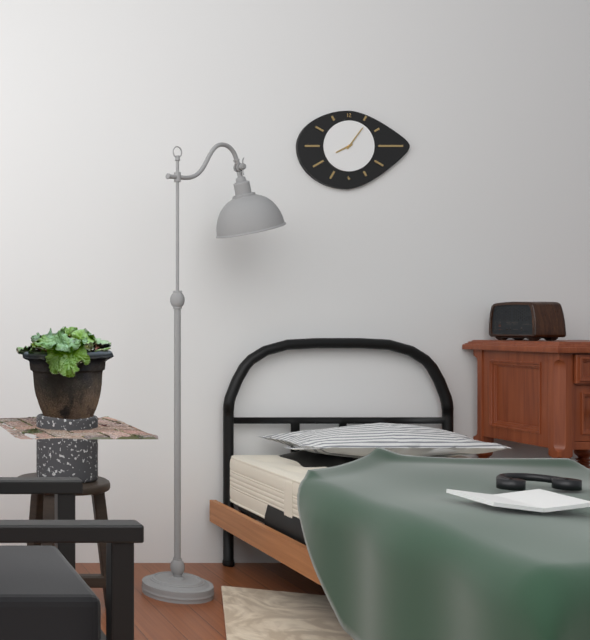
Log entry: 8:06
